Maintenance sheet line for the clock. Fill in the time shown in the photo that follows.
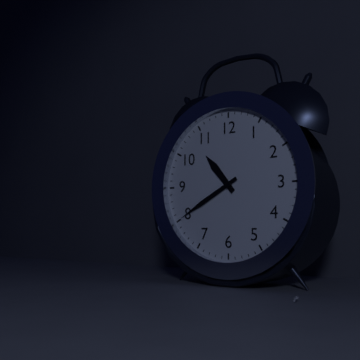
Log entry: 10:40
